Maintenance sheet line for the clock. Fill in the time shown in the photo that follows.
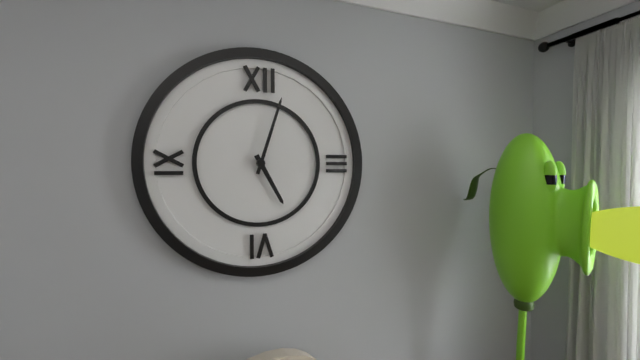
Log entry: 5:03
